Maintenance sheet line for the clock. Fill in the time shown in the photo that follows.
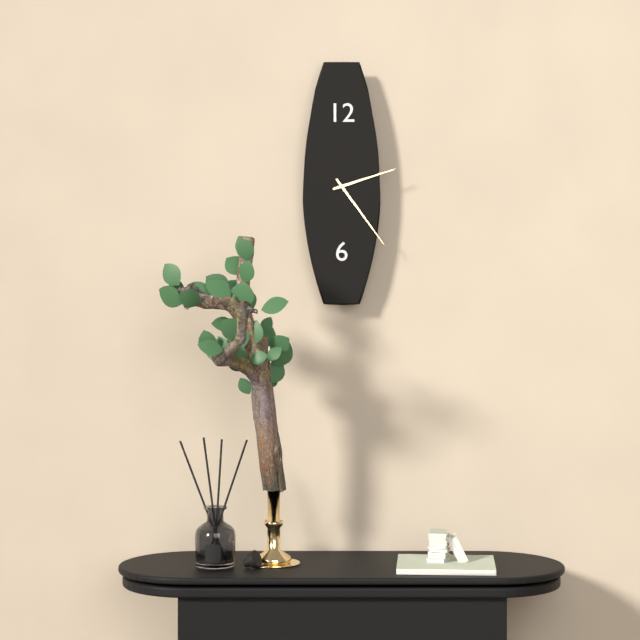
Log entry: 2:24
